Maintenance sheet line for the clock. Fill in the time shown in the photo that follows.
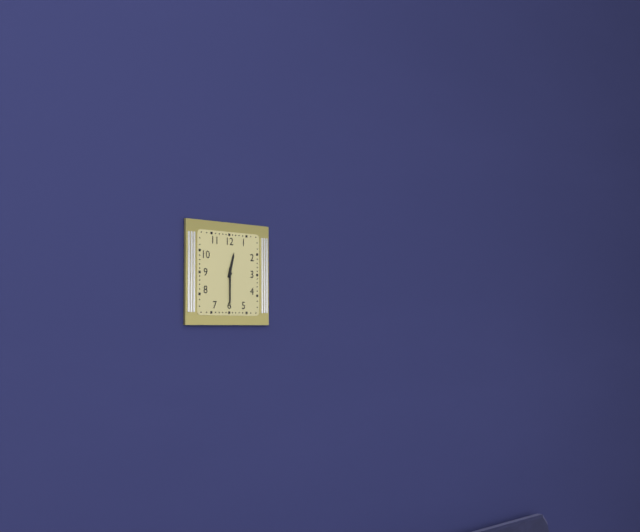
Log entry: 12:30
